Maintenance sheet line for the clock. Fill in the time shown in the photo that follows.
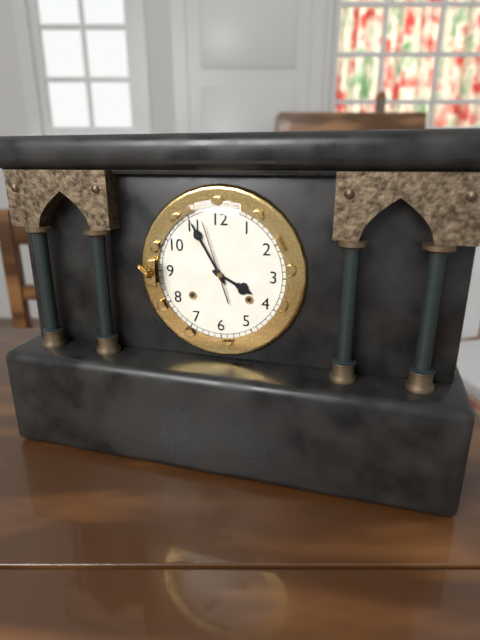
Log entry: 3:55:57
